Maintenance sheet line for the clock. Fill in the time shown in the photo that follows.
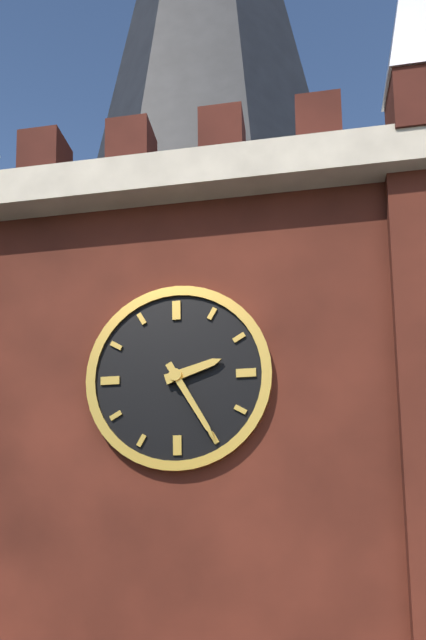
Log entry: 2:25
